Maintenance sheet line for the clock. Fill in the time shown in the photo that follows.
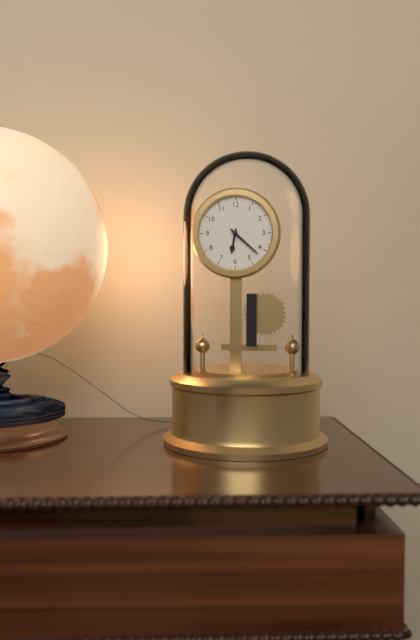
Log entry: 6:22
